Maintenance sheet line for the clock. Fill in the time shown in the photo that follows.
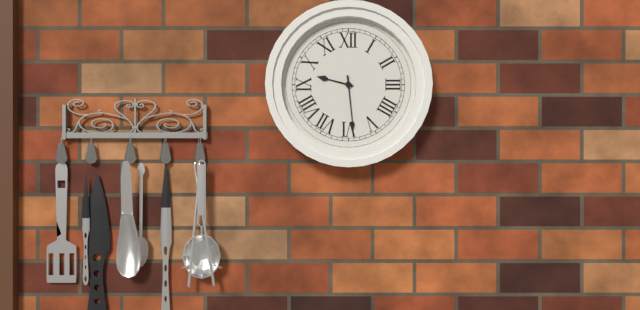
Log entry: 9:29
